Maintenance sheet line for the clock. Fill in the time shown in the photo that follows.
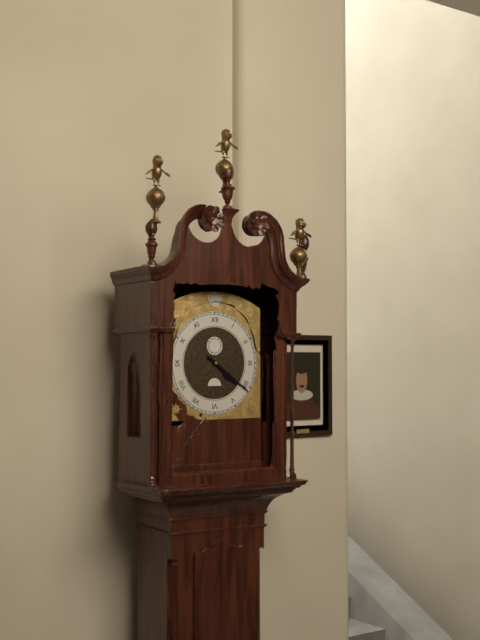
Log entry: 4:21
